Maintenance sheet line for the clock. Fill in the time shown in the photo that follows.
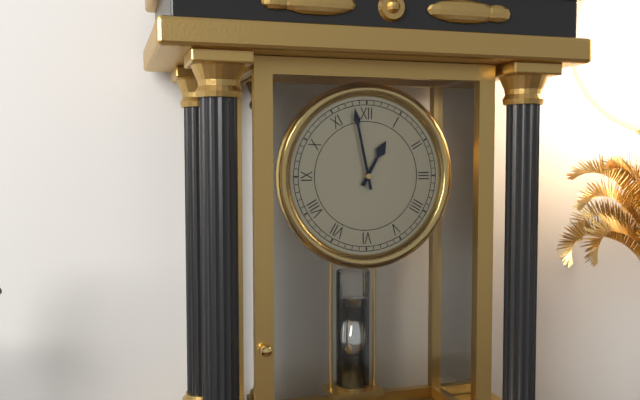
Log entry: 12:58
